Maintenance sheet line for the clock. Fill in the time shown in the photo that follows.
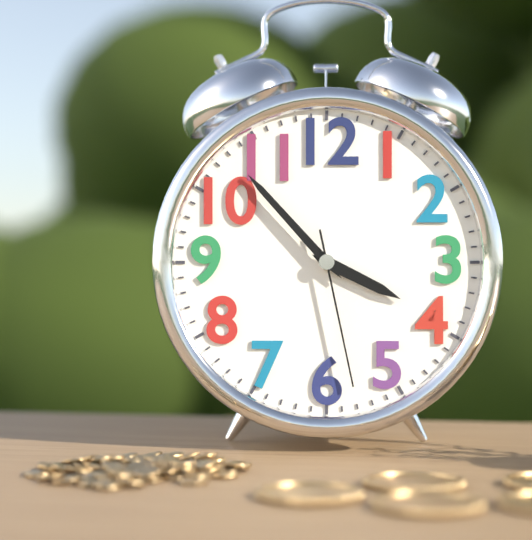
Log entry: 3:53:28
